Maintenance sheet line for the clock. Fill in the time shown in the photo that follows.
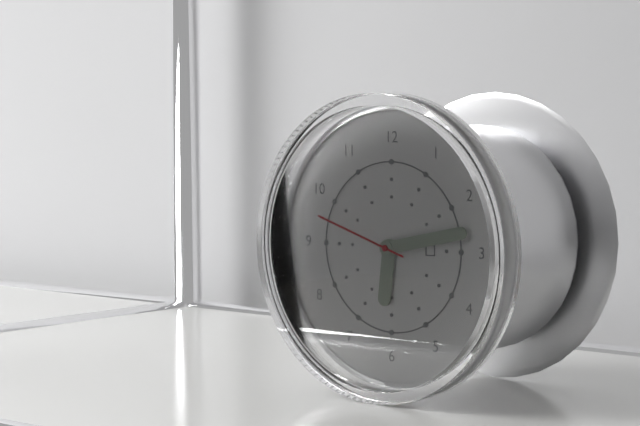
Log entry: 6:13:48
